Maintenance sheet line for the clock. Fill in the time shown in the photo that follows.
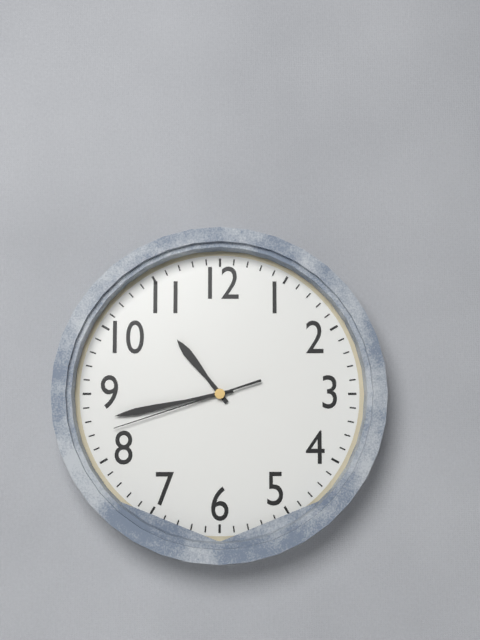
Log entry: 10:43:42
